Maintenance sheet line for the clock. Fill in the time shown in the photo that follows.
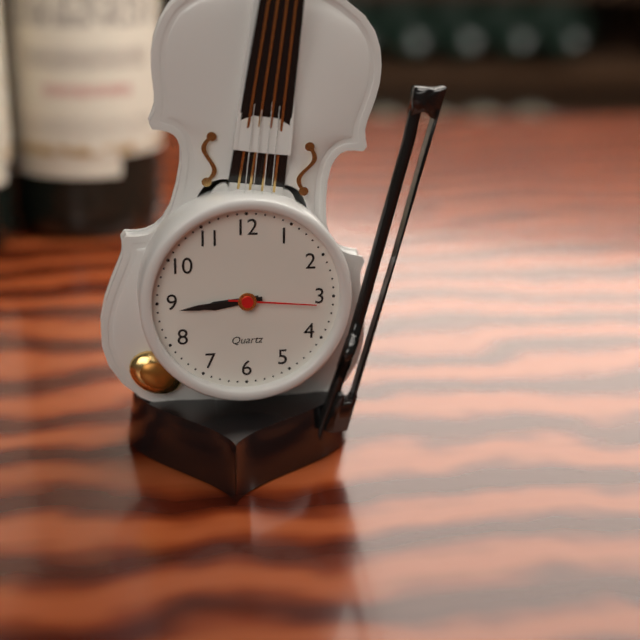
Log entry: 8:44:16
